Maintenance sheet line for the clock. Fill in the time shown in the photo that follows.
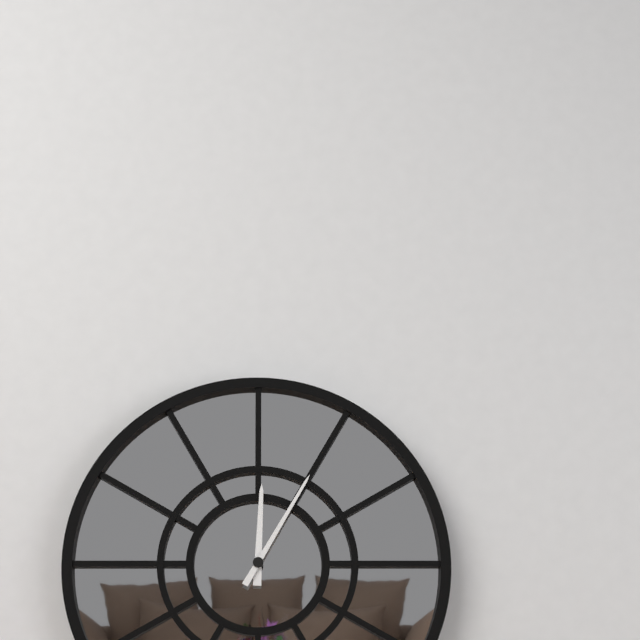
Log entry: 12:05
